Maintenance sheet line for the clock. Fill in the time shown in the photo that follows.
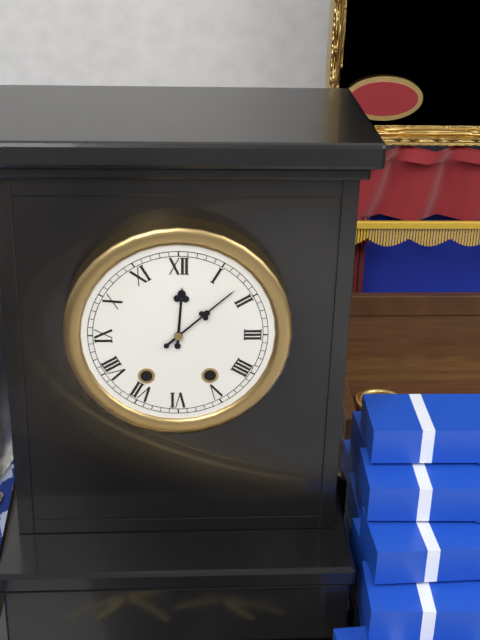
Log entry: 12:08
